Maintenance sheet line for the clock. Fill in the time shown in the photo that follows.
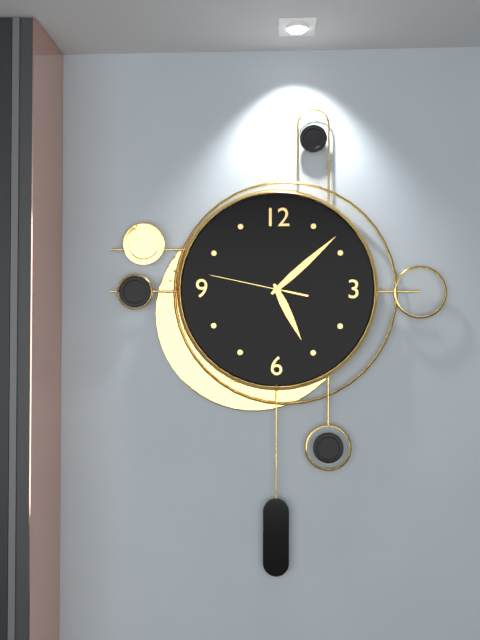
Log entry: 5:08:47
